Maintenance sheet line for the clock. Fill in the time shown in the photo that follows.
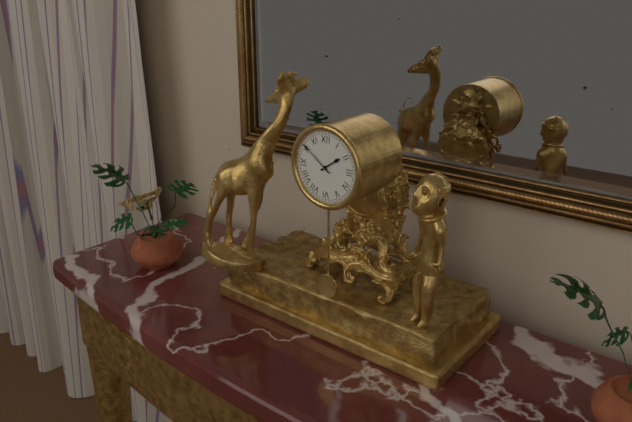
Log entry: 1:51
